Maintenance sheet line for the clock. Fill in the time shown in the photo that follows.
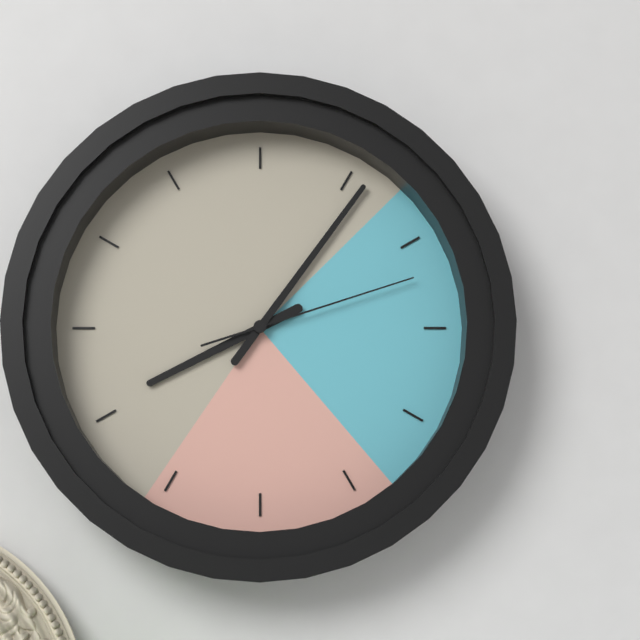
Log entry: 8:06:12
